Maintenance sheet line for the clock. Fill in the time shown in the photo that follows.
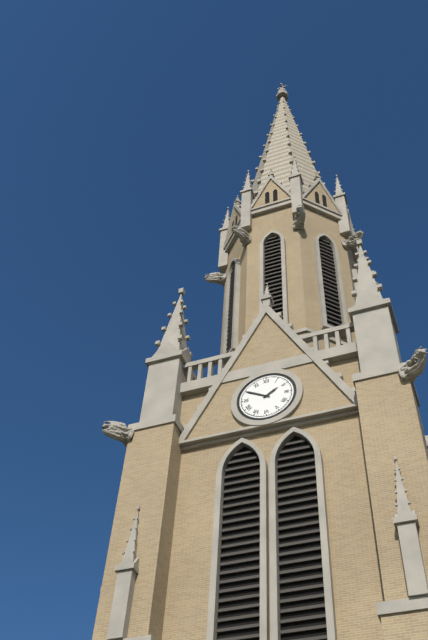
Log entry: 1:50
